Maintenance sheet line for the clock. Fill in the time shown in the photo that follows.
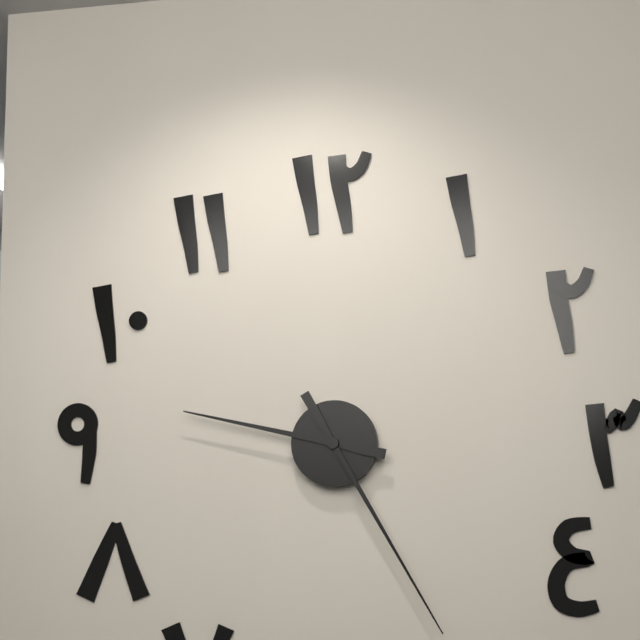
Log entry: 9:25
